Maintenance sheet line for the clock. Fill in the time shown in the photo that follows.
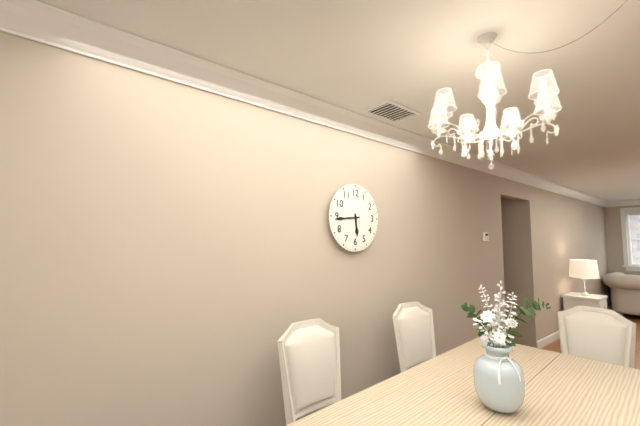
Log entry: 5:44
